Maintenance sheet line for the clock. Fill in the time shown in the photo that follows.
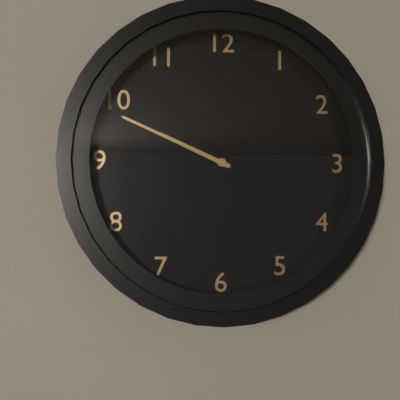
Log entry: 9:49
